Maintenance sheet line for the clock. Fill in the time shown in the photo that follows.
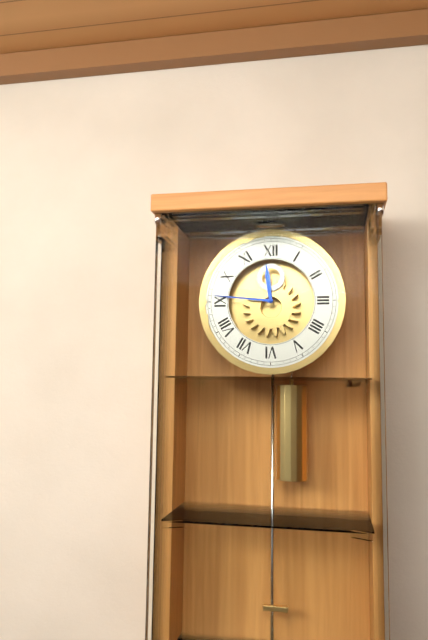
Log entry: 11:46
